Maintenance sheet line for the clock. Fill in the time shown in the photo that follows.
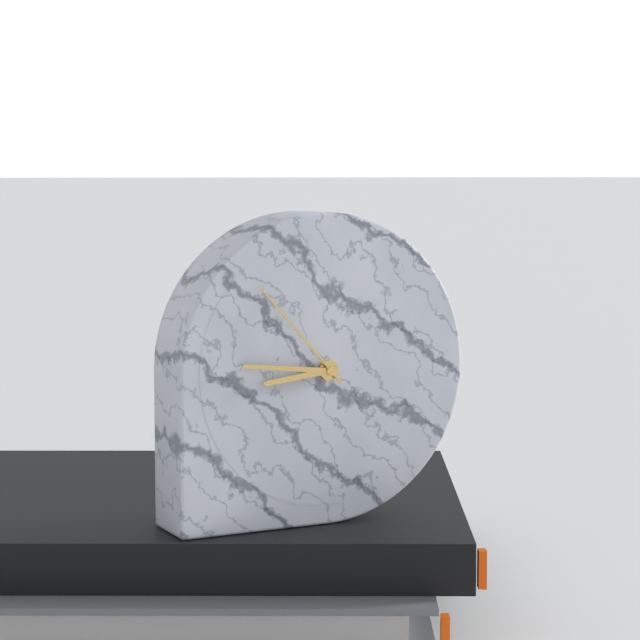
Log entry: 8:46:53
